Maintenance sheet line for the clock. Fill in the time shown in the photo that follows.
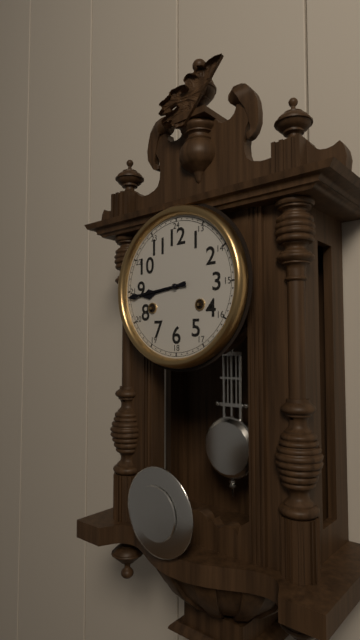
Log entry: 8:44
